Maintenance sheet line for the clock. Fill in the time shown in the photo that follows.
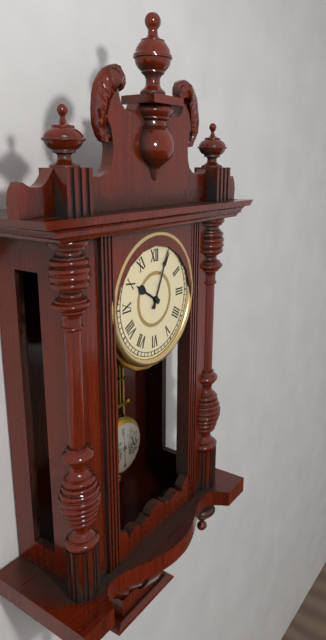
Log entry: 10:04
